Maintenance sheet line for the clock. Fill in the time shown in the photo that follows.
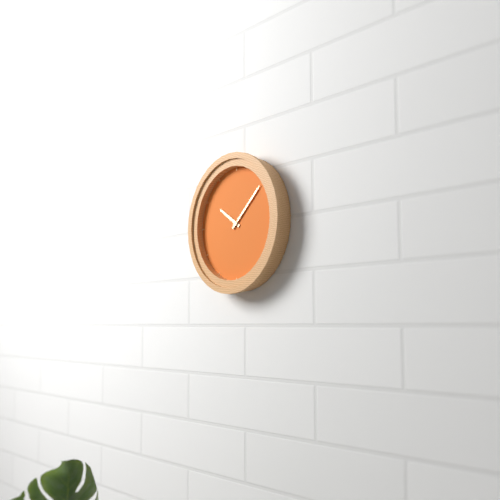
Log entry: 10:08
